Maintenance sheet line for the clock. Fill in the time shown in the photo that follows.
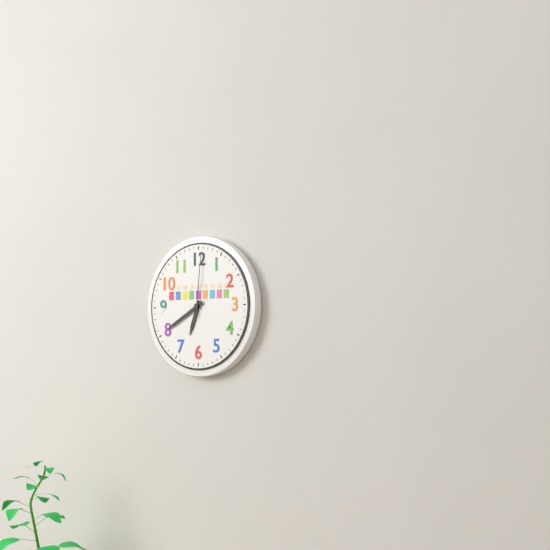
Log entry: 6:40:01
